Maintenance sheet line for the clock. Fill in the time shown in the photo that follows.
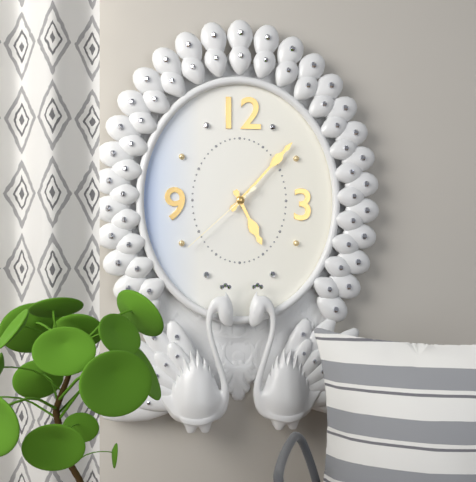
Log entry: 5:07:38
